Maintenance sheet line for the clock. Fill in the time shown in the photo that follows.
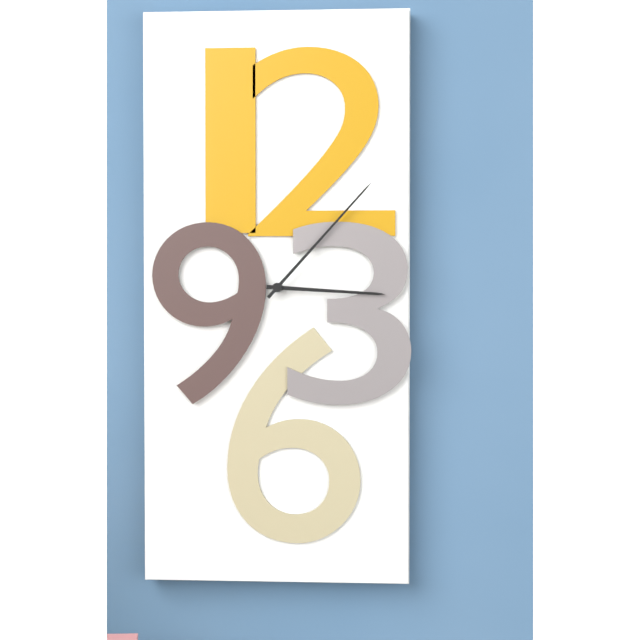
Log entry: 3:07
